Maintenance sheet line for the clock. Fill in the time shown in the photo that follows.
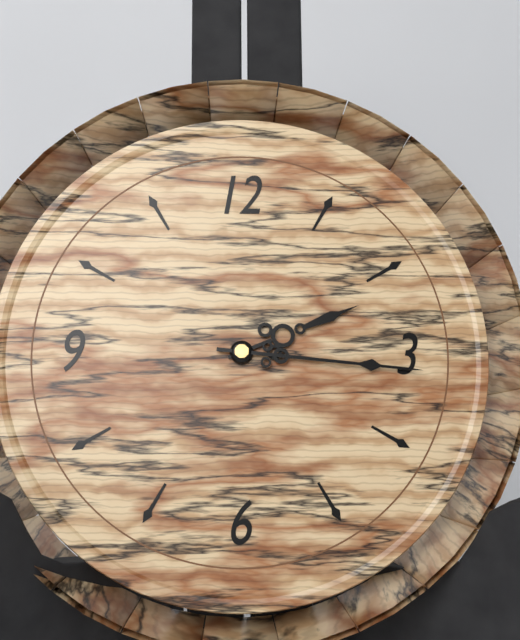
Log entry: 2:16
